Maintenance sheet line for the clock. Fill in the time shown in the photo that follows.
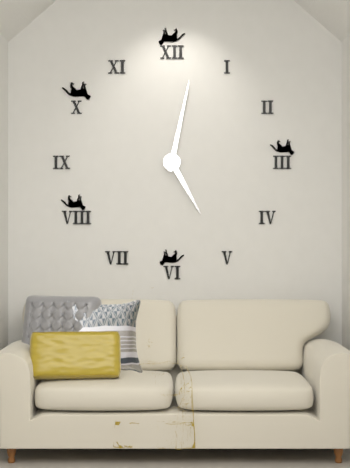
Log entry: 5:02
